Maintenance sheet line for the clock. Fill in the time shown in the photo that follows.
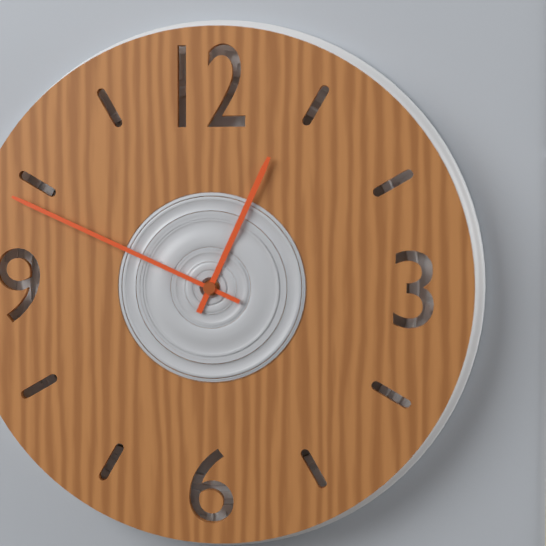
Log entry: 12:49
